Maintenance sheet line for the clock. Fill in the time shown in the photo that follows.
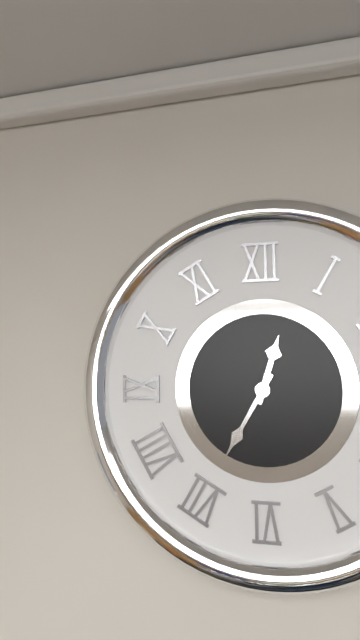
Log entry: 12:35
